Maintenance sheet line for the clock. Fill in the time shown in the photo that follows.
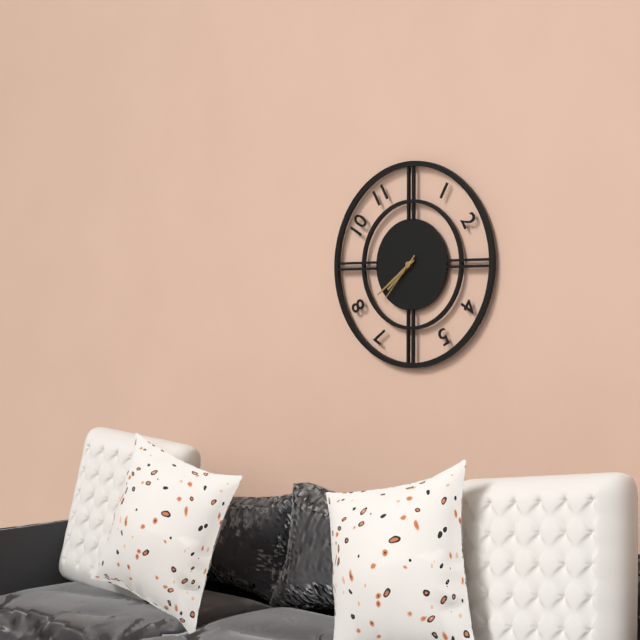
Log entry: 7:39:37
